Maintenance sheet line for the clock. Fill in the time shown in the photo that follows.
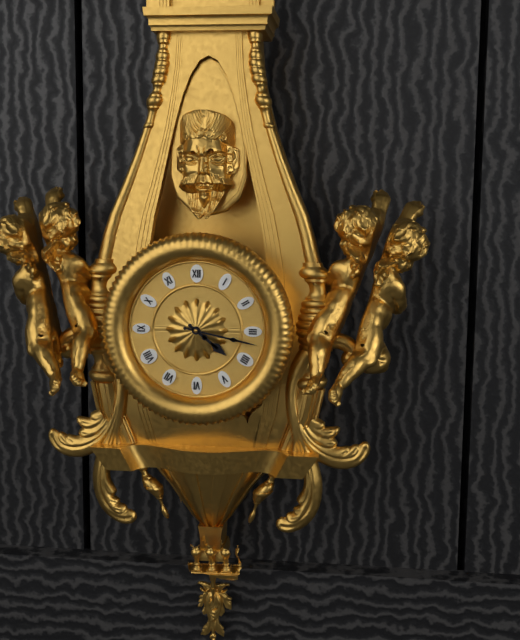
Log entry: 4:17
